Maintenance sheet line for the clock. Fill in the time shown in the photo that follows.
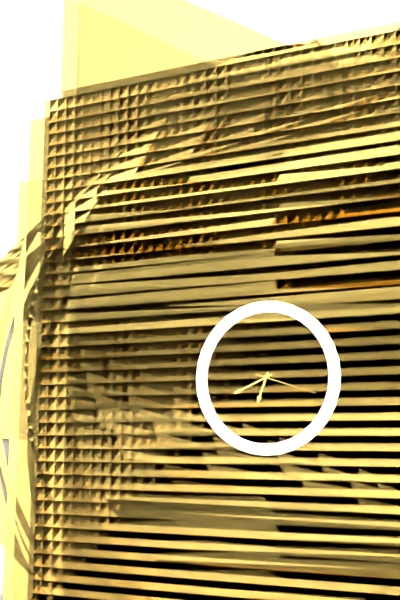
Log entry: 6:41:18
